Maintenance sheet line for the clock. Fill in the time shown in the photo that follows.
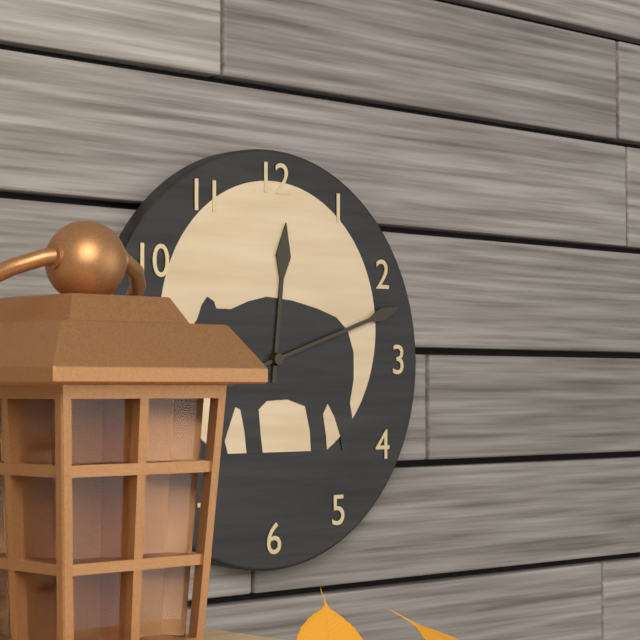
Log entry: 12:12
